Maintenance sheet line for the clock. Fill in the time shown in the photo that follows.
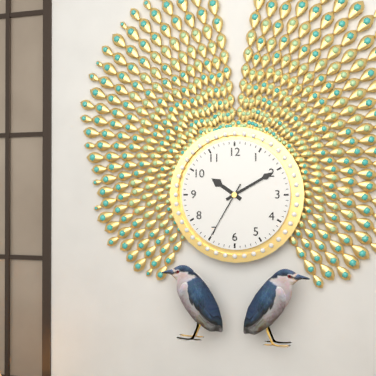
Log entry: 10:10:35
